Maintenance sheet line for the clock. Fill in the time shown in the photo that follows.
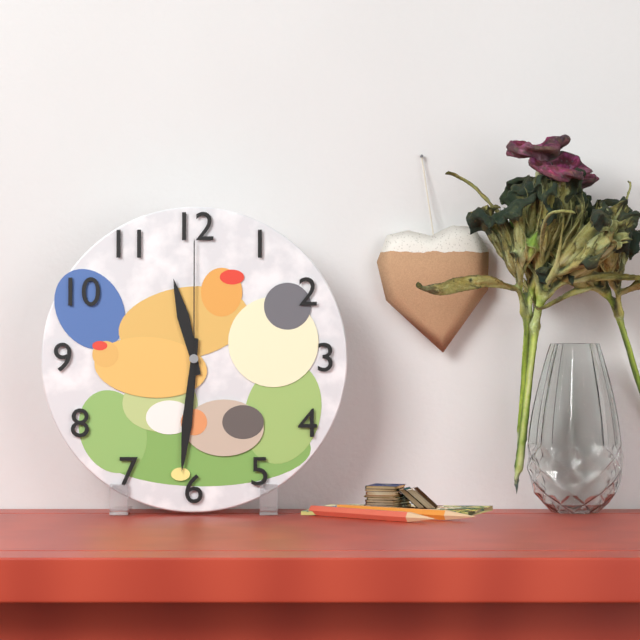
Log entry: 11:31:00
